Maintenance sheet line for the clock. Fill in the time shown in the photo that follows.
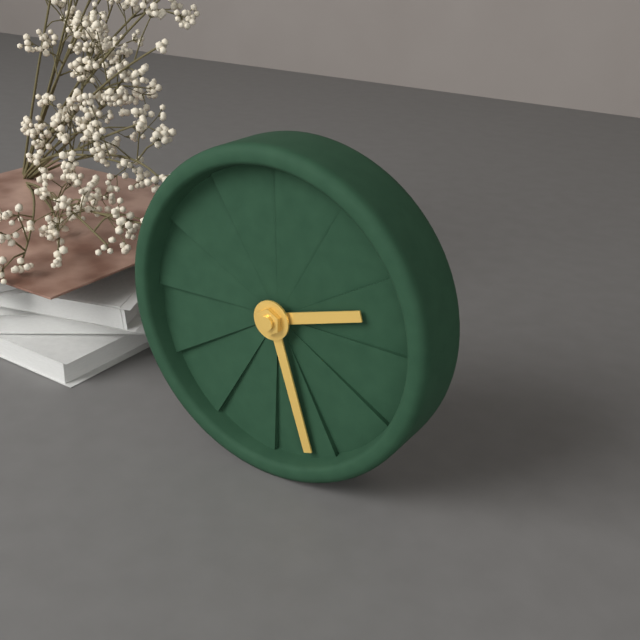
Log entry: 2:27
